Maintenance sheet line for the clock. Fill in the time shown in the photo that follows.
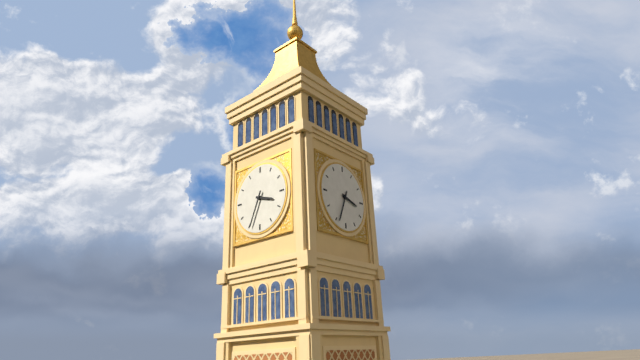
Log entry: 3:34
